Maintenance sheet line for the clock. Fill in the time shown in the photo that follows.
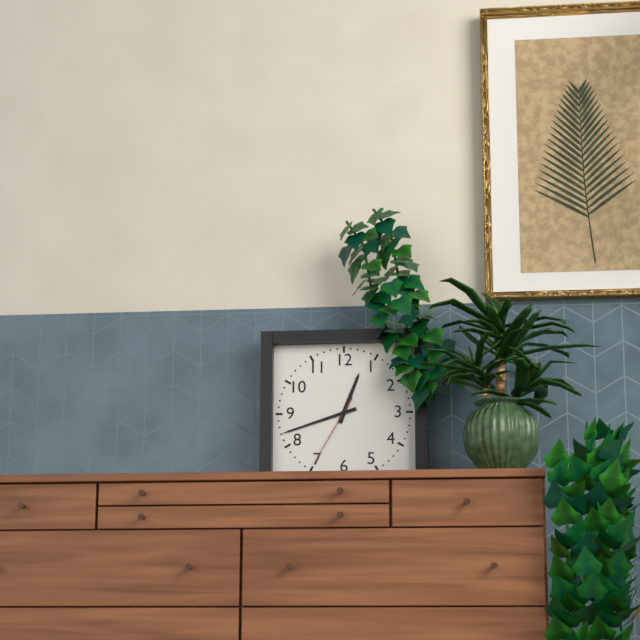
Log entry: 12:42:35
